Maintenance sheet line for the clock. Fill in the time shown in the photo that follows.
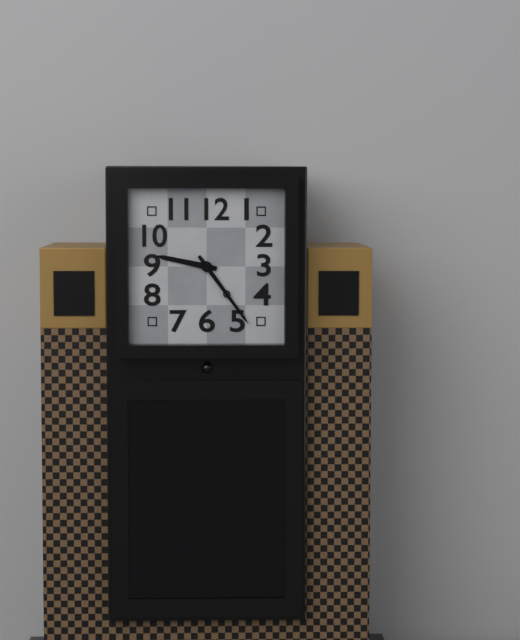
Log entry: 9:24
